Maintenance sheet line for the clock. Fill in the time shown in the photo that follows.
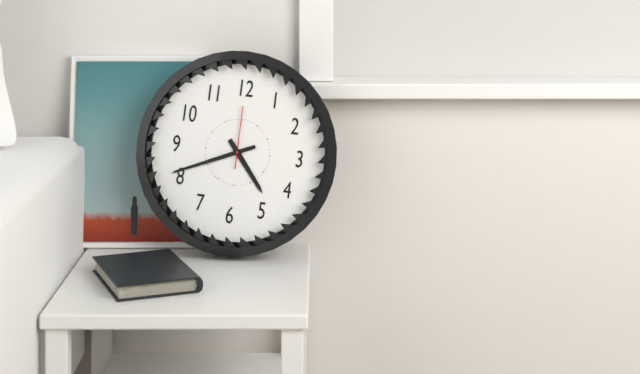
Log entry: 4:41:00
